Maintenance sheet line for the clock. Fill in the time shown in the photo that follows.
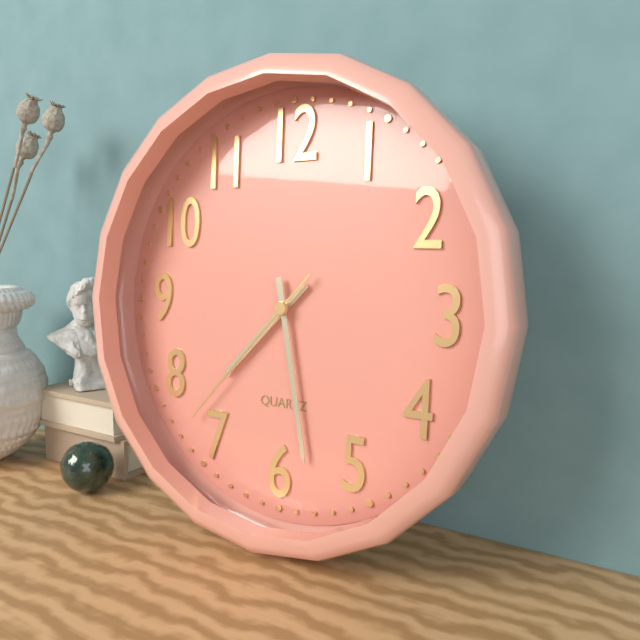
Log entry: 7:28:37
